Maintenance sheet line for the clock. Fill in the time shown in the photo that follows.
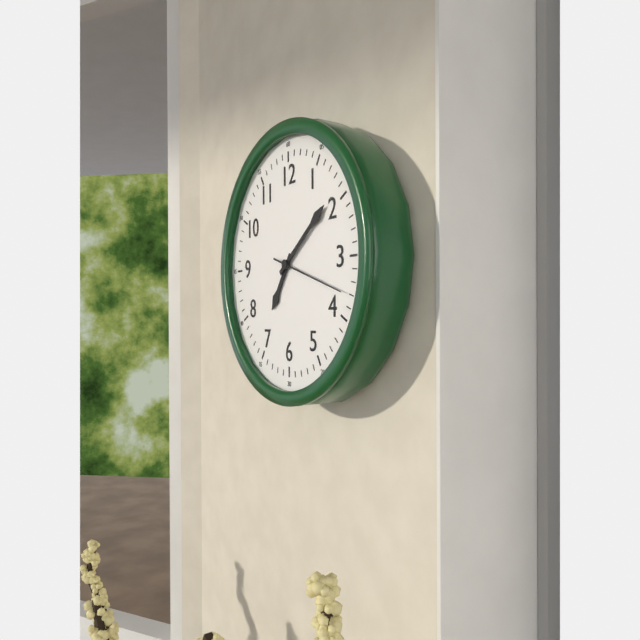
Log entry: 7:09:18
